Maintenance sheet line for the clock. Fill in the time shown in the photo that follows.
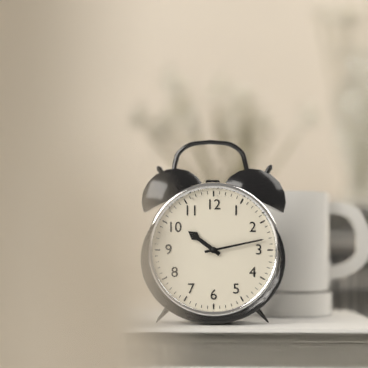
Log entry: 10:13
